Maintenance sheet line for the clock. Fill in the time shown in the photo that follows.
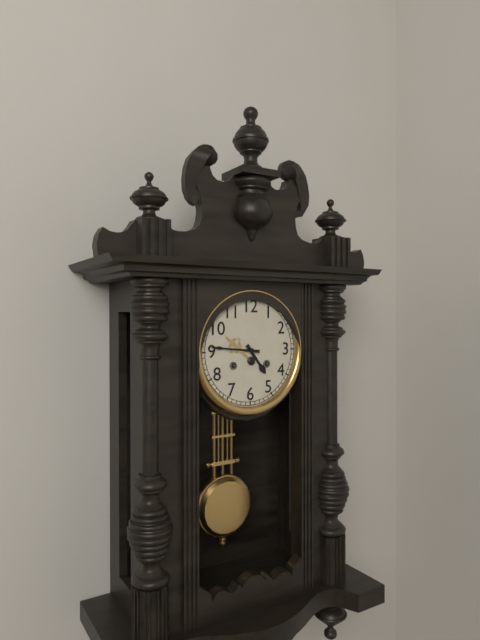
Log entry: 4:46
